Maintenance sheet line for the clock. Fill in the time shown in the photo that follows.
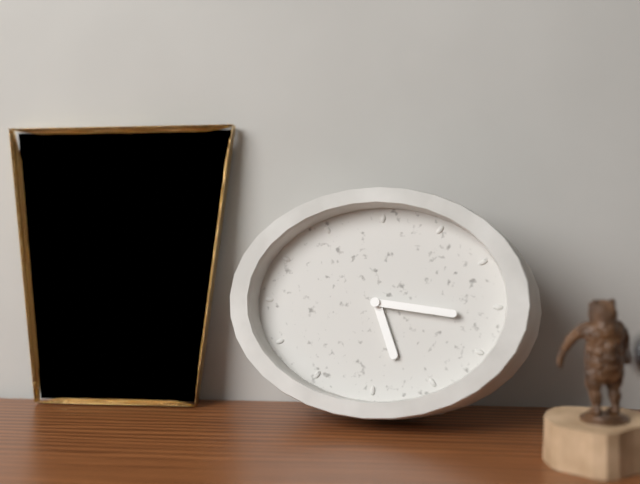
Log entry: 5:16
